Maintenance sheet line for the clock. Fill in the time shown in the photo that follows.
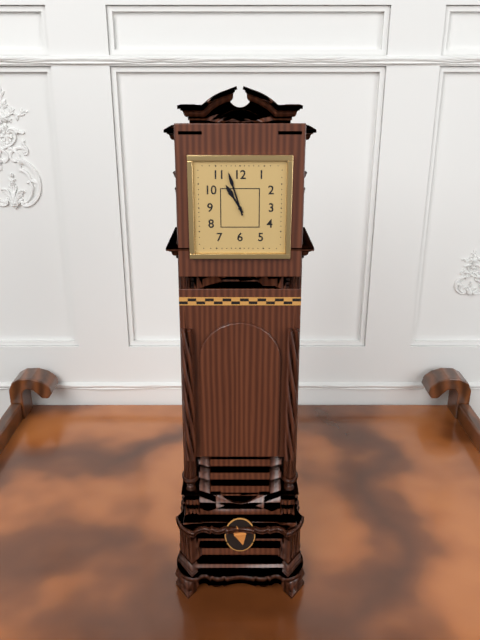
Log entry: 10:57
